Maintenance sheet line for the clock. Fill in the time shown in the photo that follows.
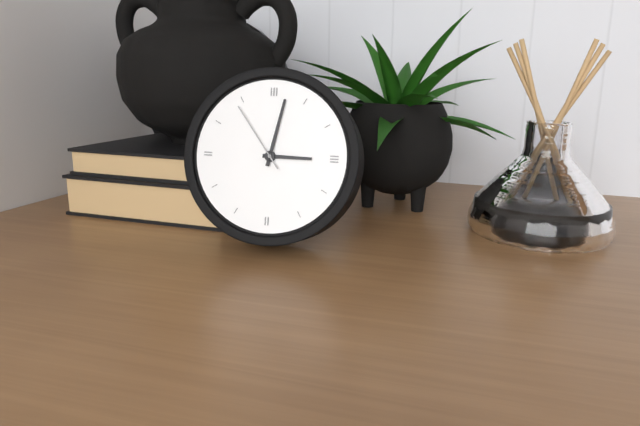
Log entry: 3:02:54
